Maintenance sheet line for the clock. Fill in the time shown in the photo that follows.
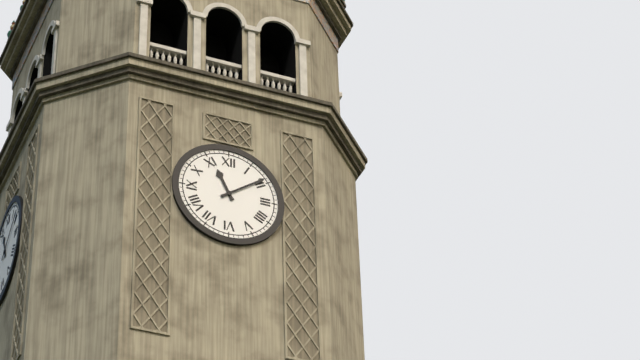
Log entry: 11:09
